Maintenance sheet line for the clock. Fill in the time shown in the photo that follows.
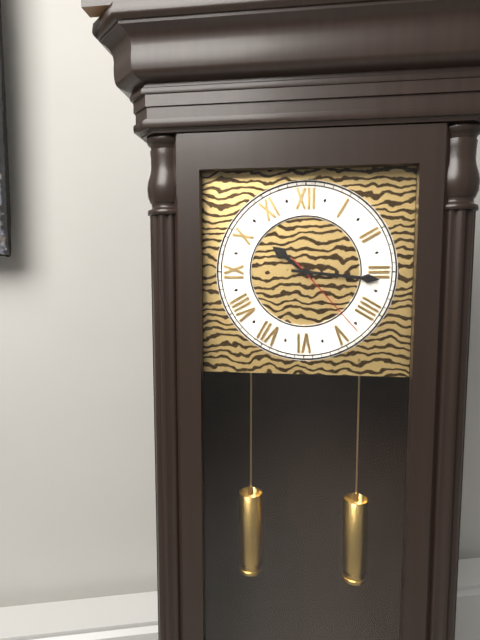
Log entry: 10:16:23
